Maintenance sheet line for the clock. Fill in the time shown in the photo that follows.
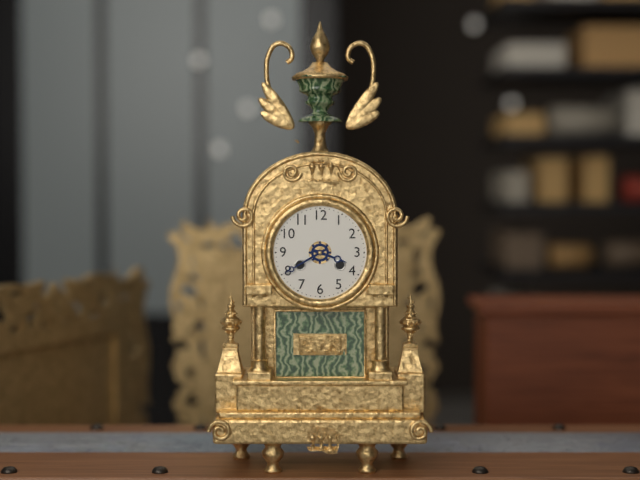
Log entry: 3:40
